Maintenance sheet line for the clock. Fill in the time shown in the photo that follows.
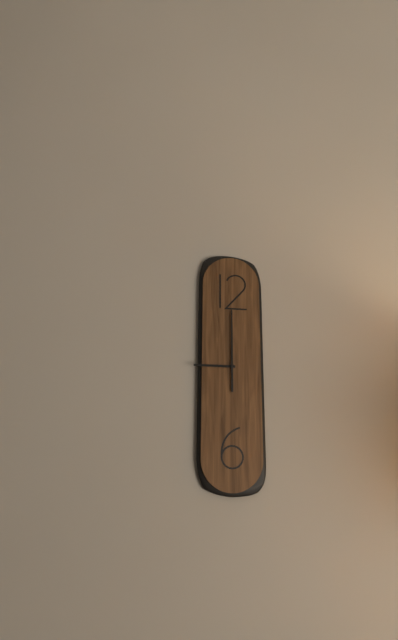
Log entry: 9:00
